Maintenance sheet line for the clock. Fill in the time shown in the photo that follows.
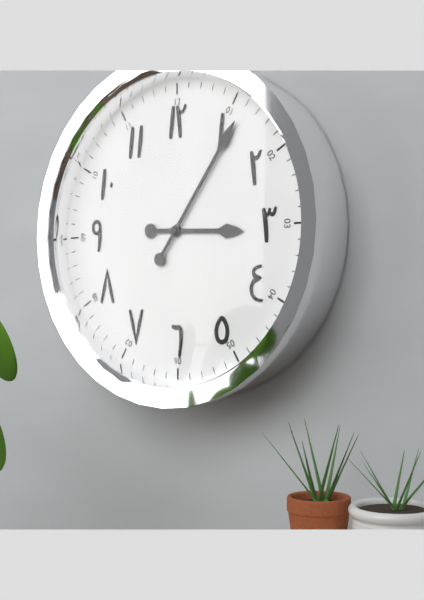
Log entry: 3:06
